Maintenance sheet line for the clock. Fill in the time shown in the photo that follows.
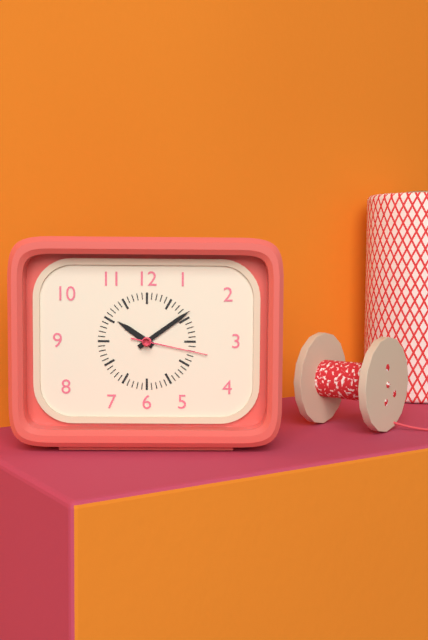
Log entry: 10:09:17
